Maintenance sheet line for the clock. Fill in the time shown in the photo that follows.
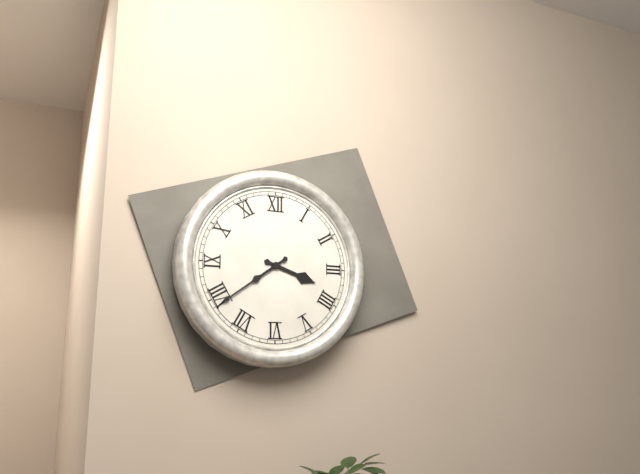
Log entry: 3:39
